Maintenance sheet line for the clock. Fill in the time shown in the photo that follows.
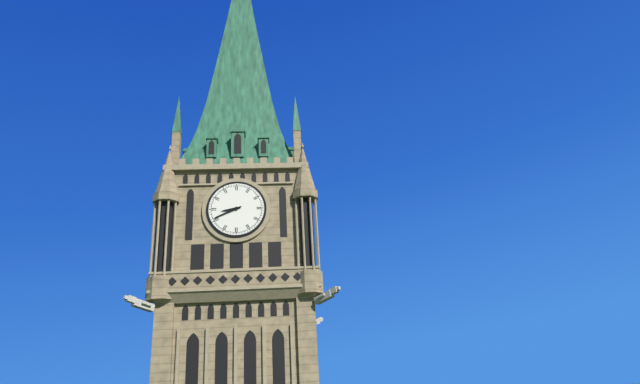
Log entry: 8:41
